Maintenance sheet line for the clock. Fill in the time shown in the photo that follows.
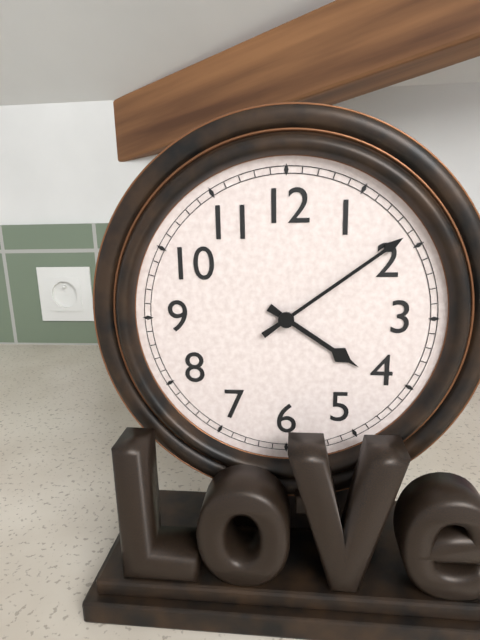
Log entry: 4:09
